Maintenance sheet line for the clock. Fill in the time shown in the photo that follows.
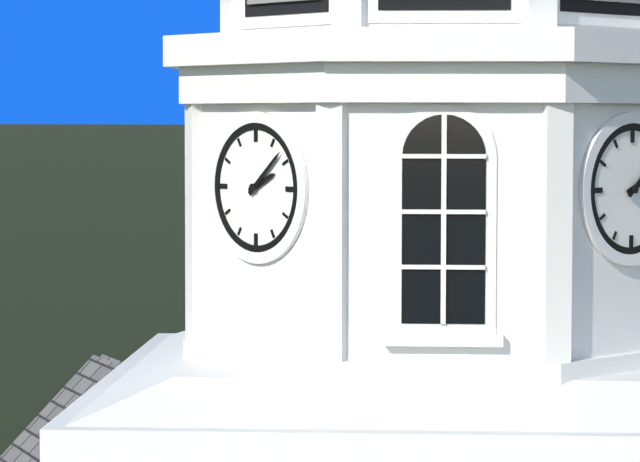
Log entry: 2:08
